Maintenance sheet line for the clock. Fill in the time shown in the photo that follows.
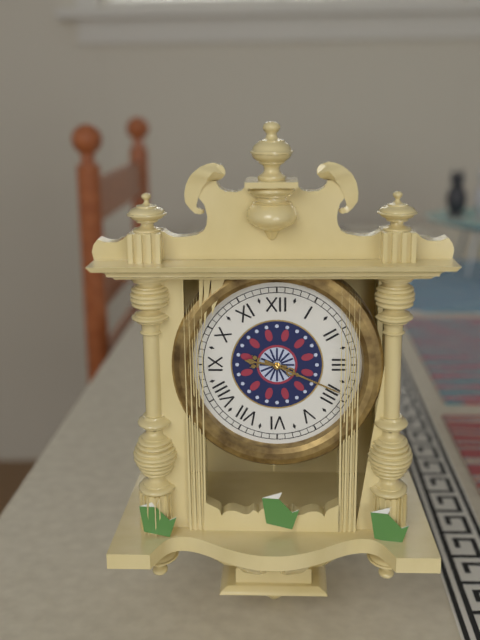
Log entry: 9:19
